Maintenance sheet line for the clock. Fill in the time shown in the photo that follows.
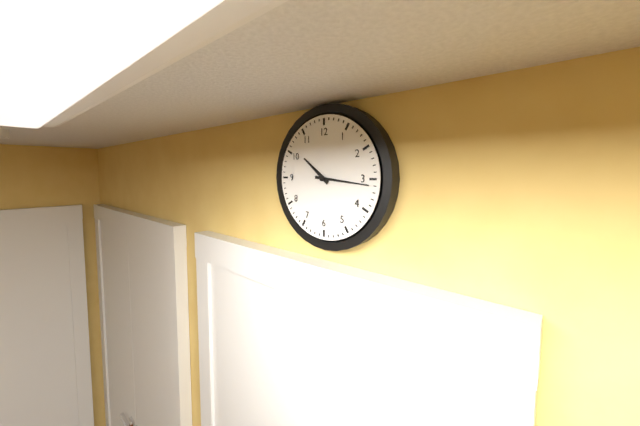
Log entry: 10:16
